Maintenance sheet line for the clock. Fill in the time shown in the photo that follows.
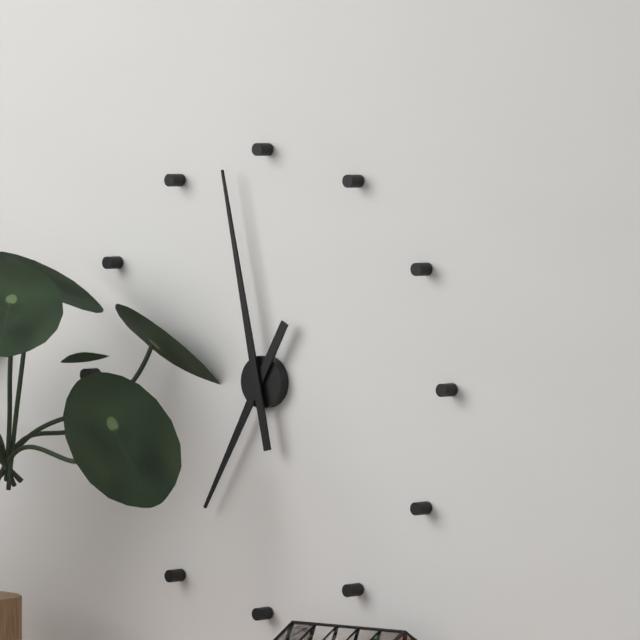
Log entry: 6:58
